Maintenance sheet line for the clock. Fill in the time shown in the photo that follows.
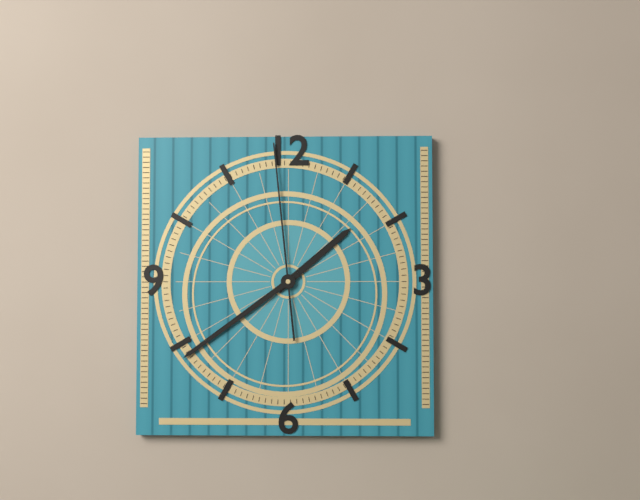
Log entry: 1:39:59
